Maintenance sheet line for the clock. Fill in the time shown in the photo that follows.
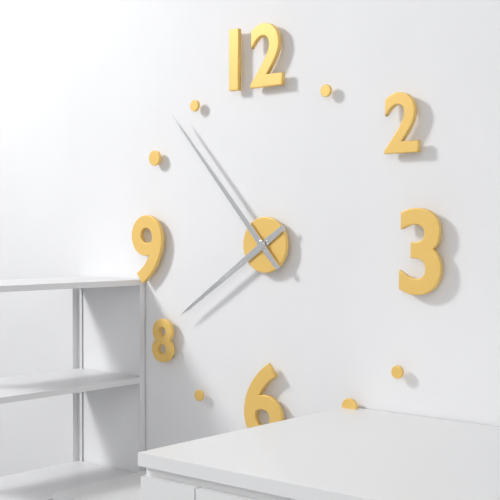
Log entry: 7:53
